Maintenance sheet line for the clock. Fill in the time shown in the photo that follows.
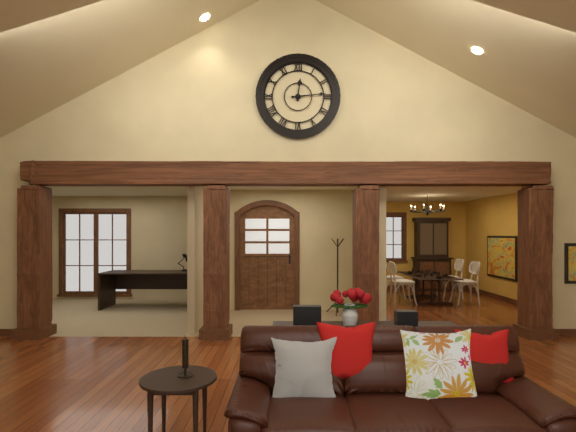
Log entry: 12:14
